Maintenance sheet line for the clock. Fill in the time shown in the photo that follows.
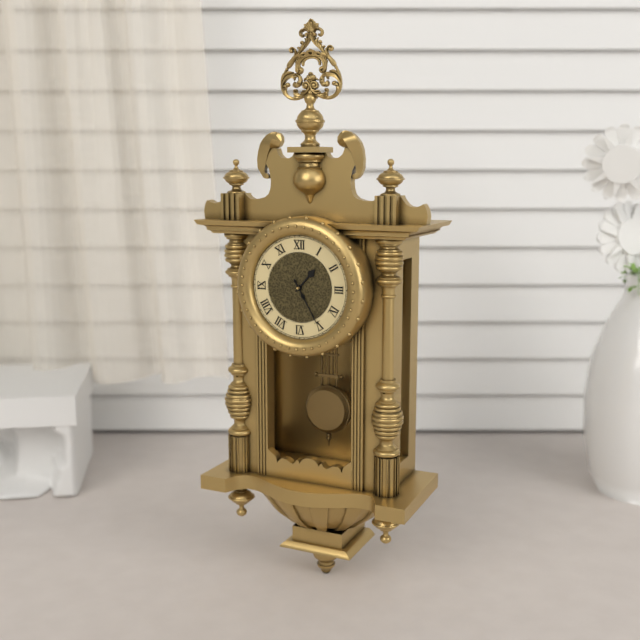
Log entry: 1:25
